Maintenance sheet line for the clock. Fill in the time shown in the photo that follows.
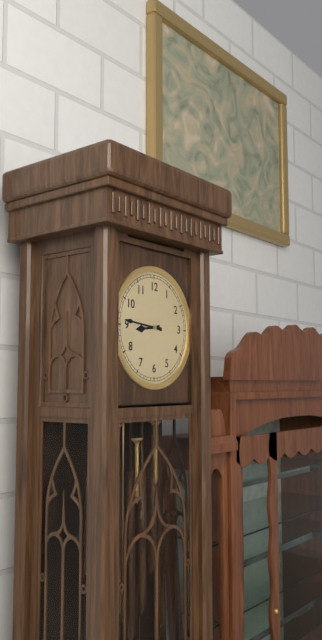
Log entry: 8:46
